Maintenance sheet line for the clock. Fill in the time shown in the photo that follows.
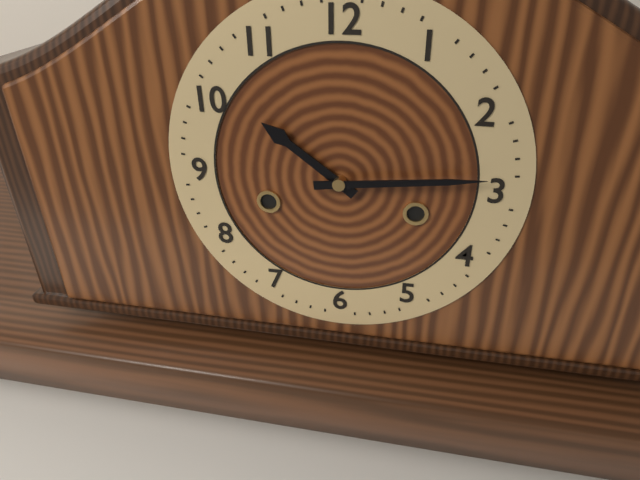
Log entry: 10:14
